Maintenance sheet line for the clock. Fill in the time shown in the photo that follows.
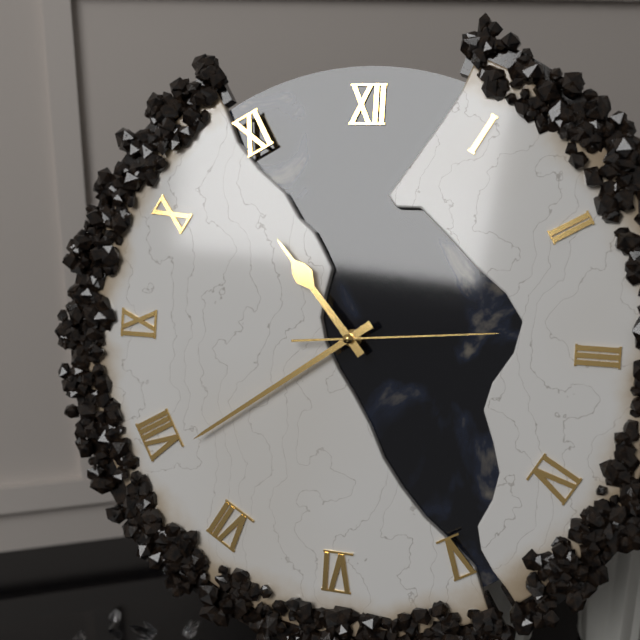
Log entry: 10:39:14
